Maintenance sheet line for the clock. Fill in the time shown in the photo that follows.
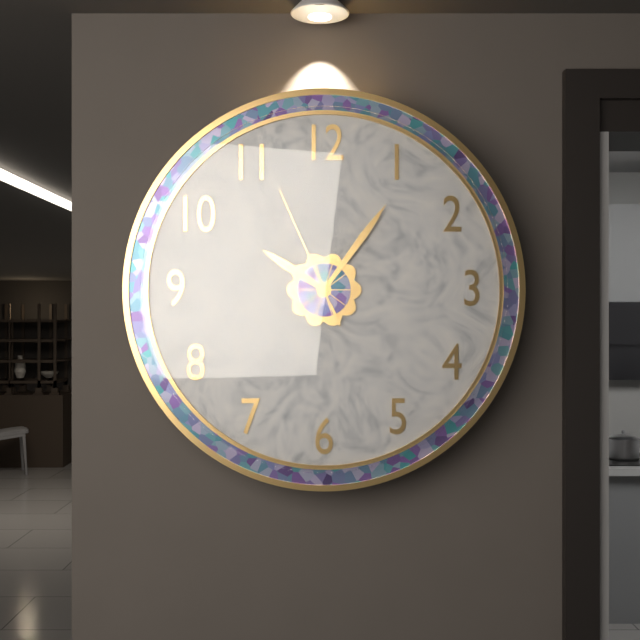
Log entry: 10:06:56
